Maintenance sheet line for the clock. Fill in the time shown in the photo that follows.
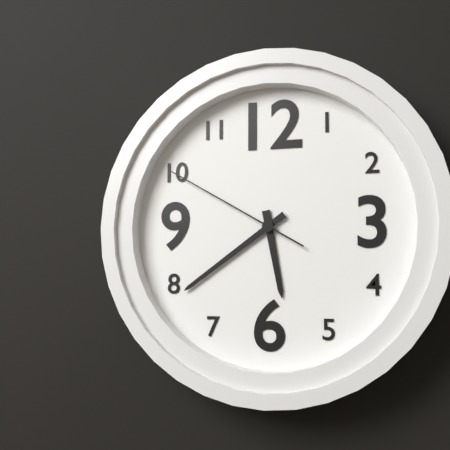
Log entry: 5:39:50
